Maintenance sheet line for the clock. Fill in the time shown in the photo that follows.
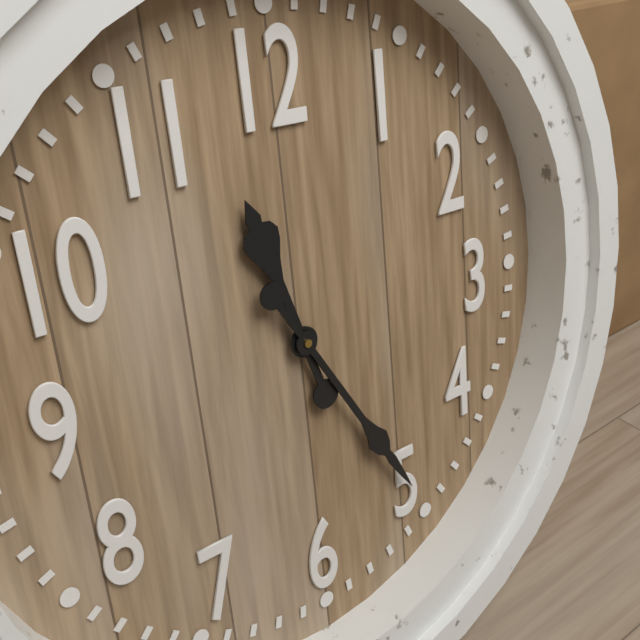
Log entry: 11:25
